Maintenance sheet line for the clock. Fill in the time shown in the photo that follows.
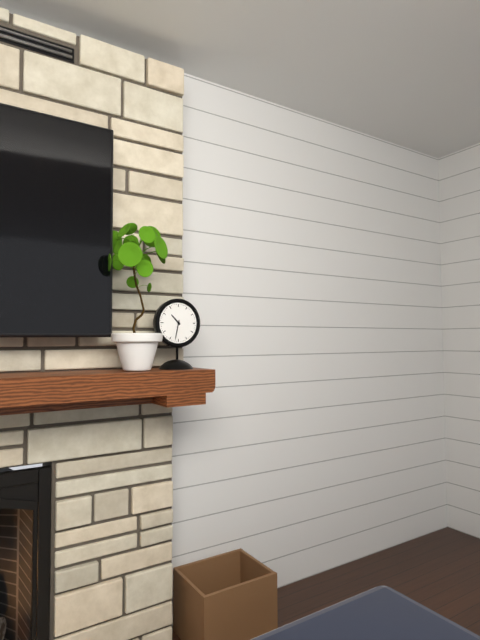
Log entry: 10:32
